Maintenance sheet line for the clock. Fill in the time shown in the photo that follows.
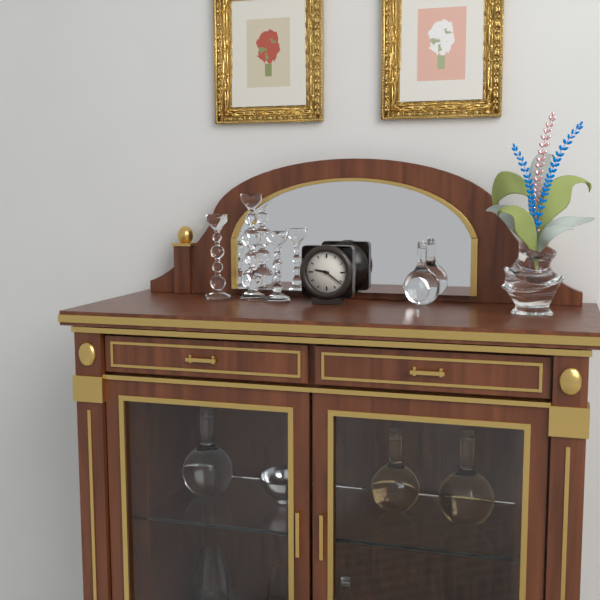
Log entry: 9:21
